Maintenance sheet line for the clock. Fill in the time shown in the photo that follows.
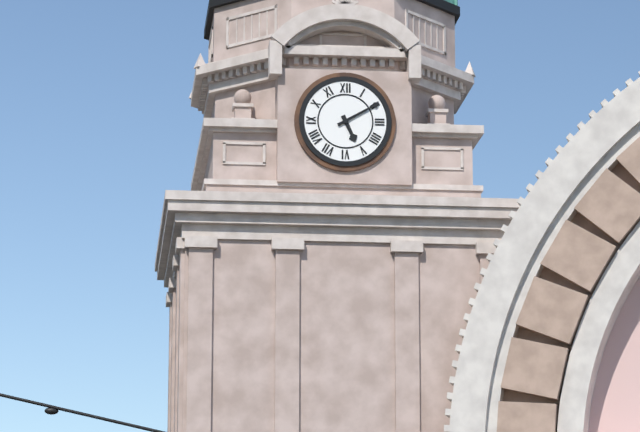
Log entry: 5:10
